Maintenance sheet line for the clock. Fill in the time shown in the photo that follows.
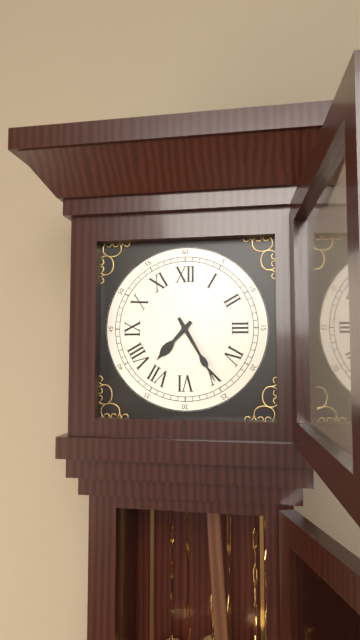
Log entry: 7:25
